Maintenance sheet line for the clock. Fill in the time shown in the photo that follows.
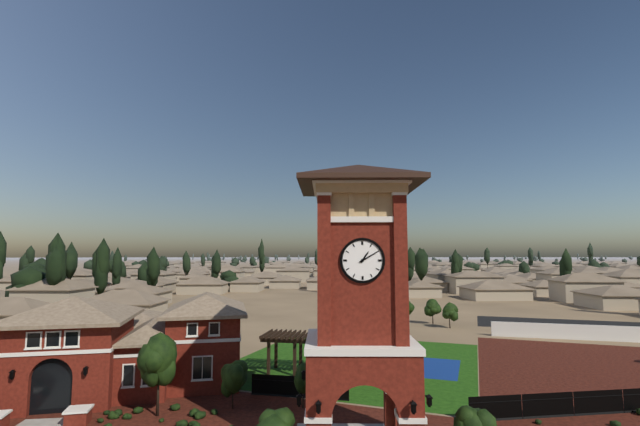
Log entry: 1:10
